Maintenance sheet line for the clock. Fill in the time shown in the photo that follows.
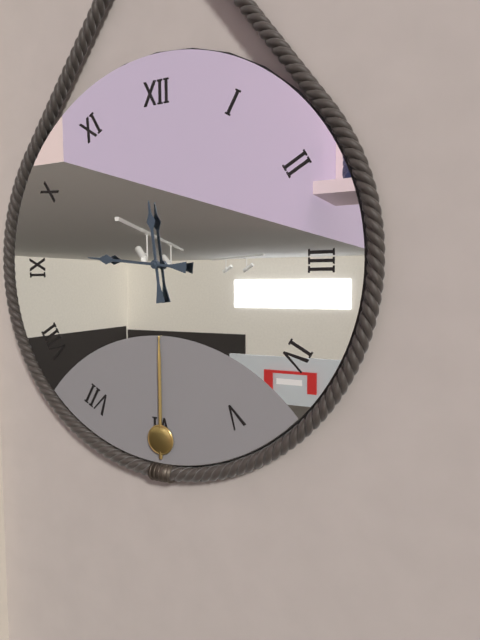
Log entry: 11:46
